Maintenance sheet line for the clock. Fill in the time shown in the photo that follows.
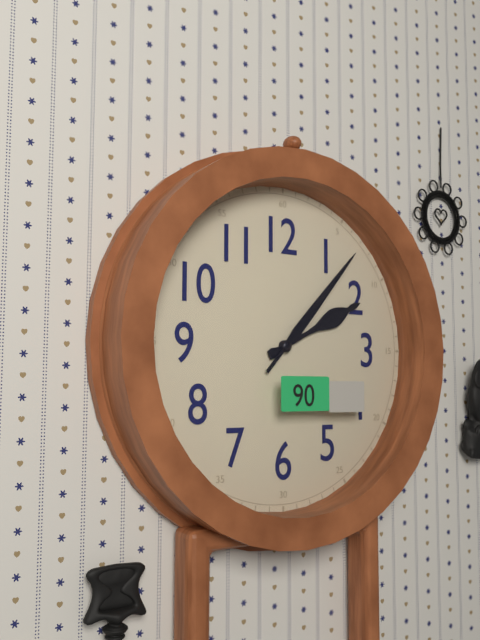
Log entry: 2:07
